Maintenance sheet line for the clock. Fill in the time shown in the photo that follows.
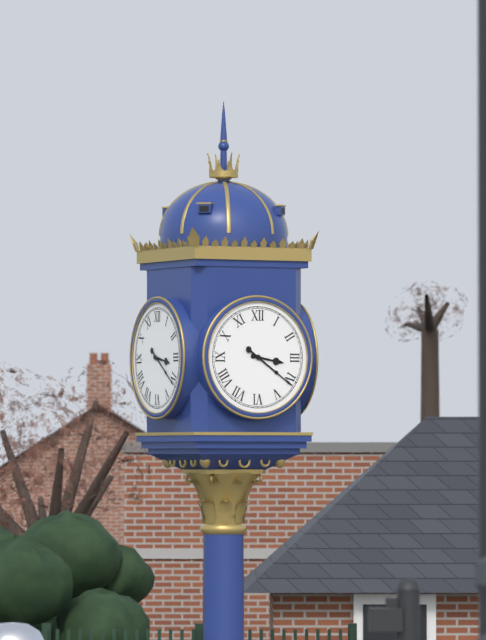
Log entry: 3:21
